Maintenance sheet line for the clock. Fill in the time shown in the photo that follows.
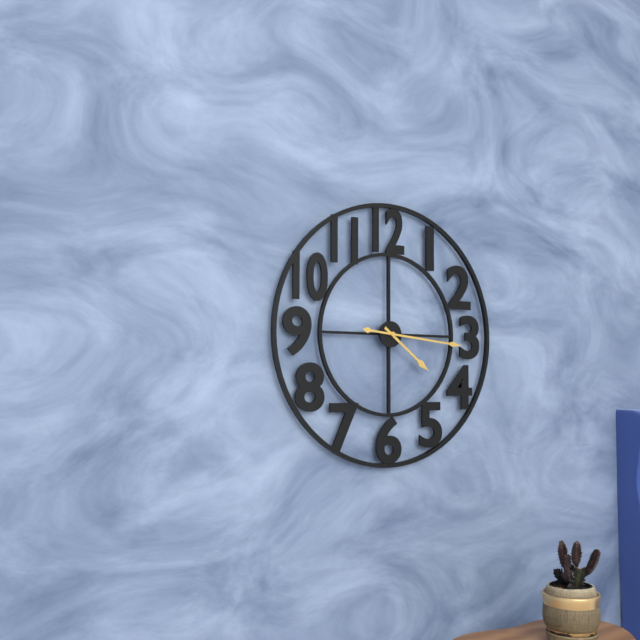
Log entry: 4:16
